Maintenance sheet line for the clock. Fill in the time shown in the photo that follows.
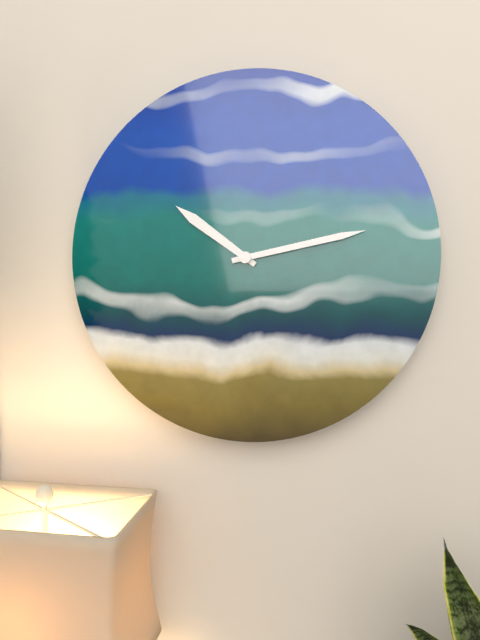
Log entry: 10:13
